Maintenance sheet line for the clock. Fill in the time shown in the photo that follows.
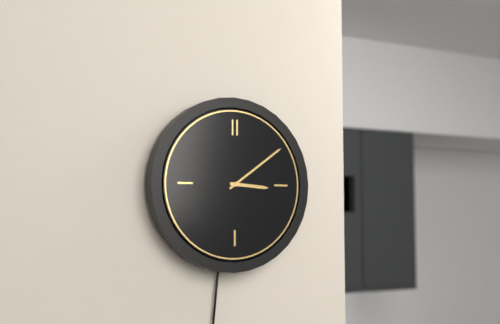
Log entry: 3:09
